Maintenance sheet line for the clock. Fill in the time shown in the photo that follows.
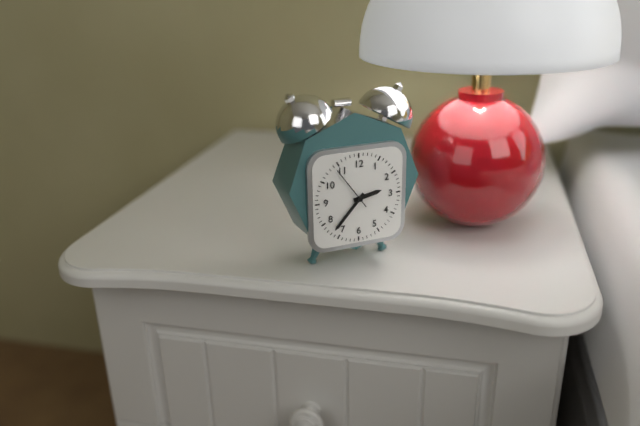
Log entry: 2:37
